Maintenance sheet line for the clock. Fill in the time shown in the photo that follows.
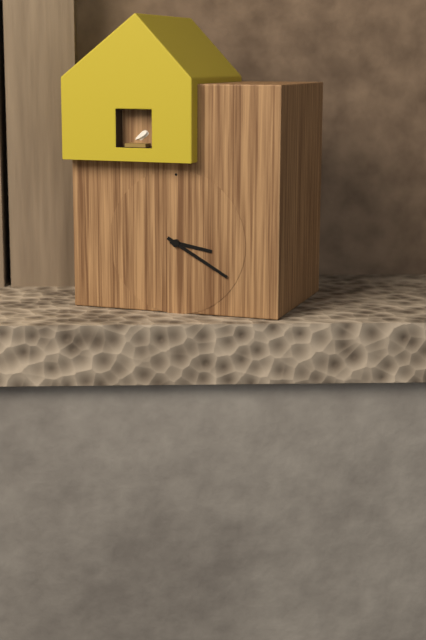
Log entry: 3:20
